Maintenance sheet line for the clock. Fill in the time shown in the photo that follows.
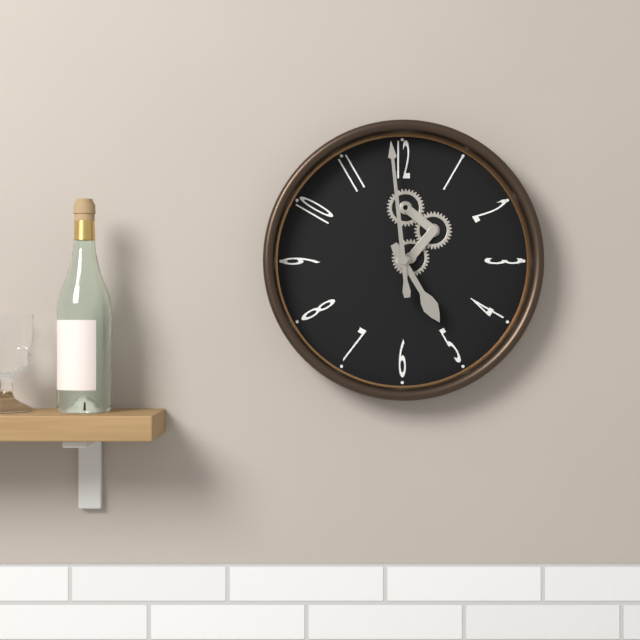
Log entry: 4:59
